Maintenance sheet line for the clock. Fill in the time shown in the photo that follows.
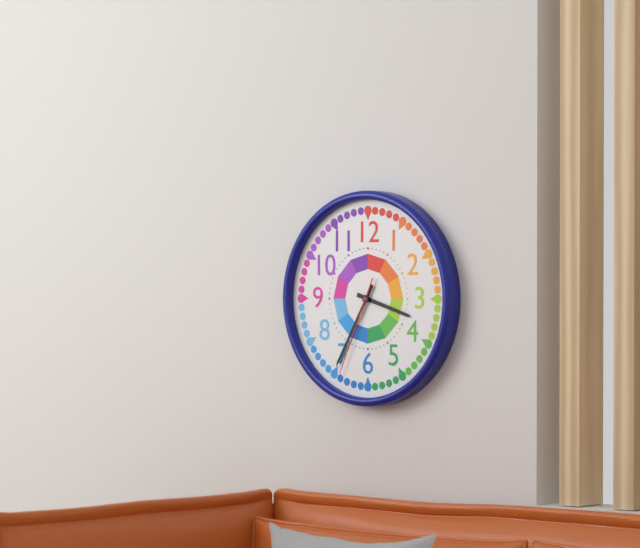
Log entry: 3:35:34
